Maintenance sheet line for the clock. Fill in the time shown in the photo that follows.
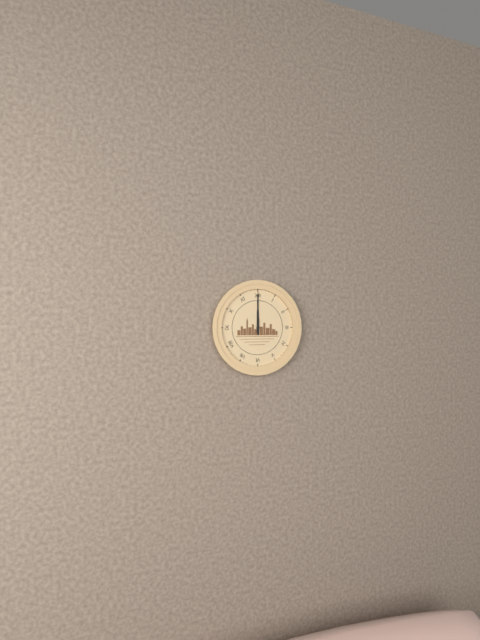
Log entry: 12:00
